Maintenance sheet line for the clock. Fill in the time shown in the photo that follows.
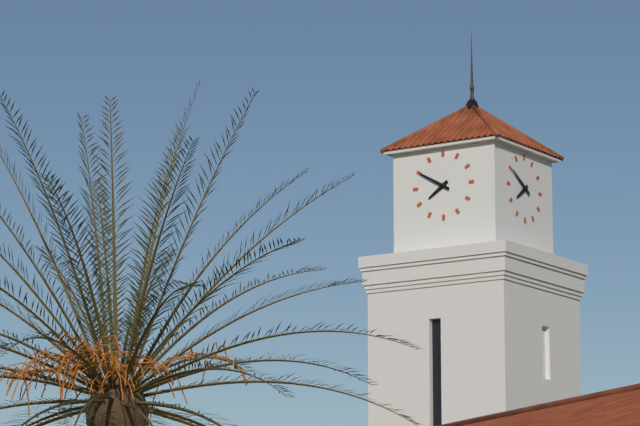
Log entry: 7:50
